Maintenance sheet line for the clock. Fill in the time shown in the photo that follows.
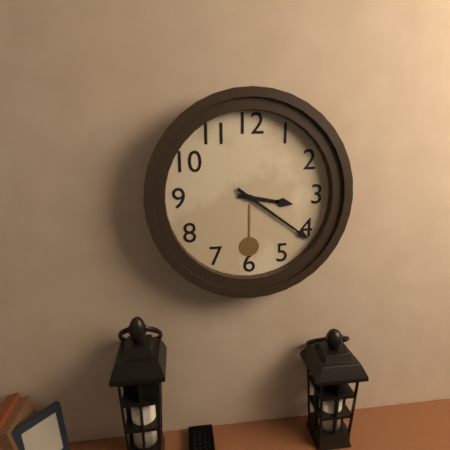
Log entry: 3:21
